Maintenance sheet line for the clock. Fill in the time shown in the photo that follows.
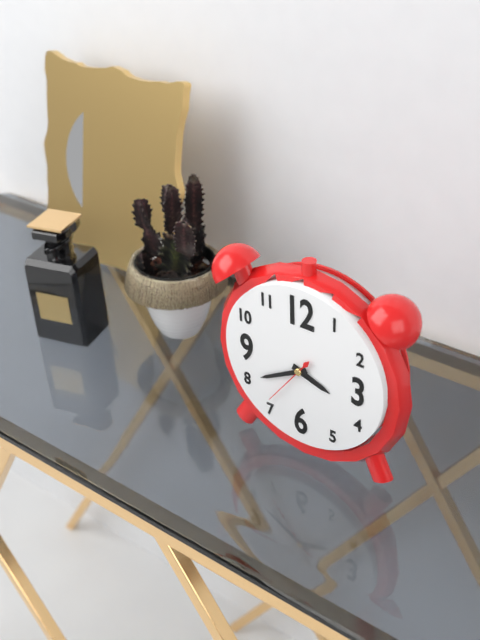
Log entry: 3:40:36
